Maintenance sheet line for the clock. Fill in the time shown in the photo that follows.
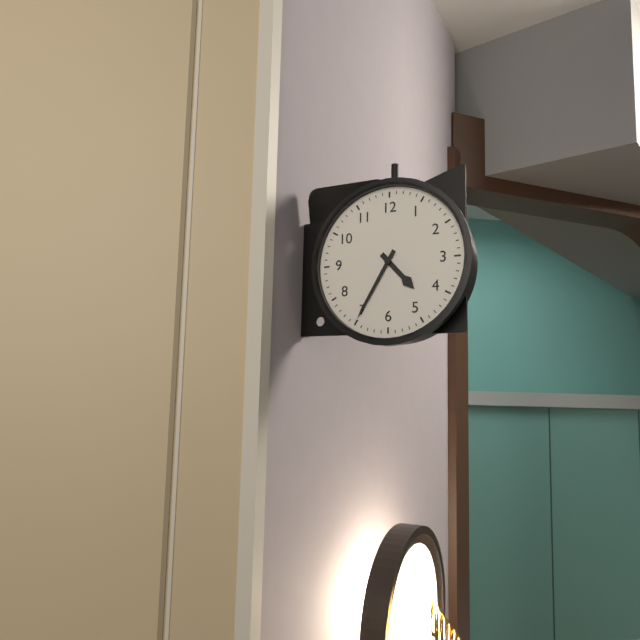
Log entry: 4:35
